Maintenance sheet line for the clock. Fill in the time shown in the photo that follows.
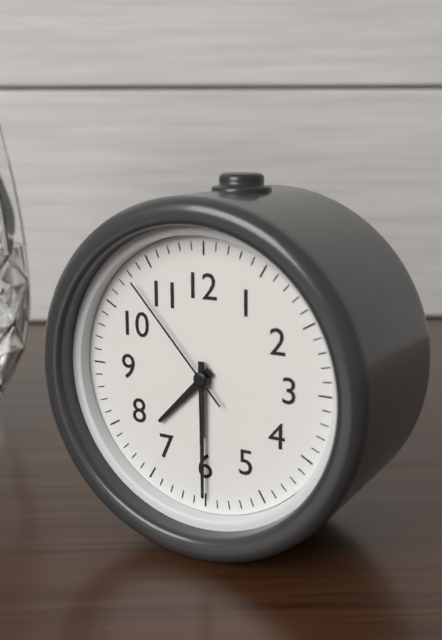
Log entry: 7:30:53
